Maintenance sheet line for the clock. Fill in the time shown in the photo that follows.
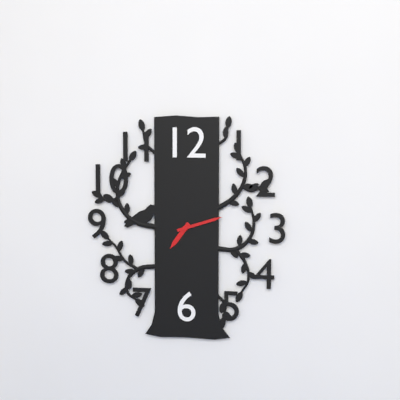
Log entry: 7:12
